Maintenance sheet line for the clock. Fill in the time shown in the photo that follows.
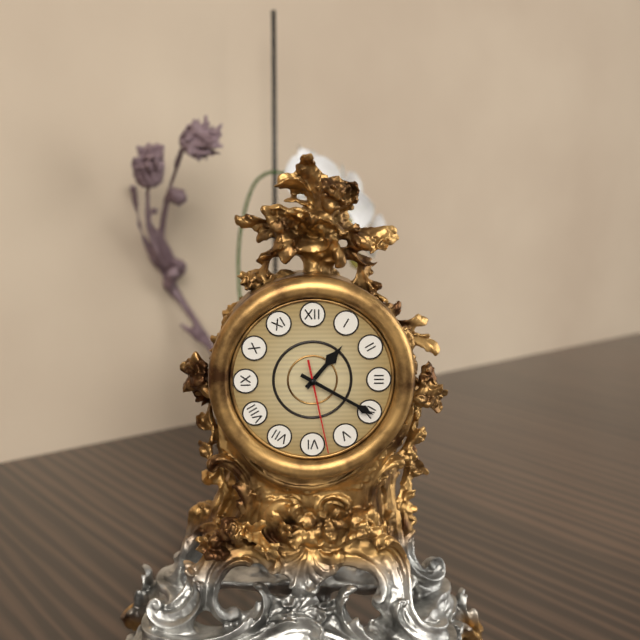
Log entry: 1:20:28
